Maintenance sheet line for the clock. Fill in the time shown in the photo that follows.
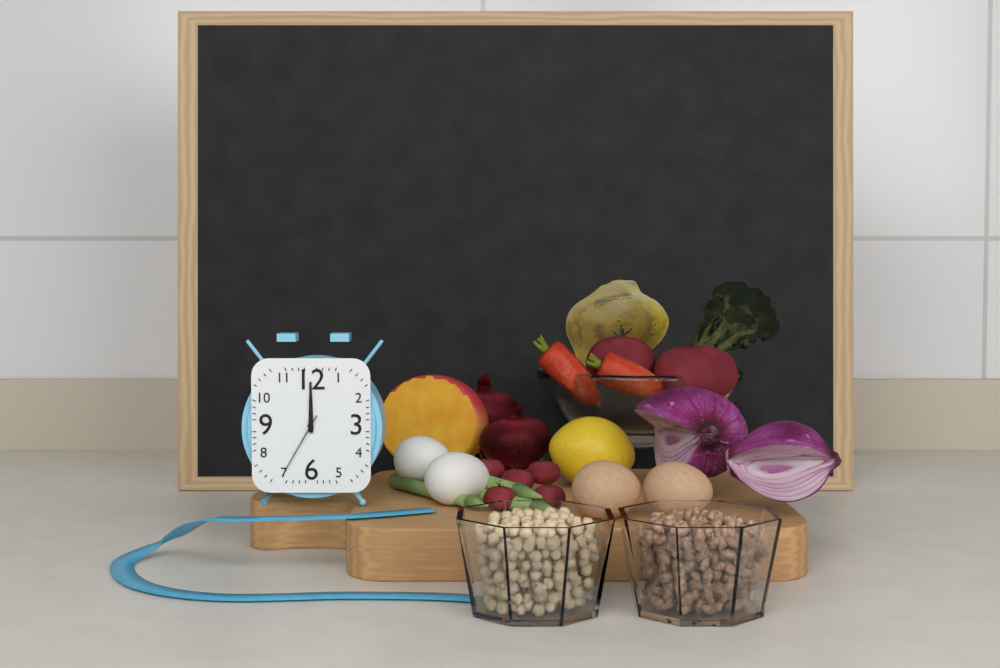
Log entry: 12:00:35
